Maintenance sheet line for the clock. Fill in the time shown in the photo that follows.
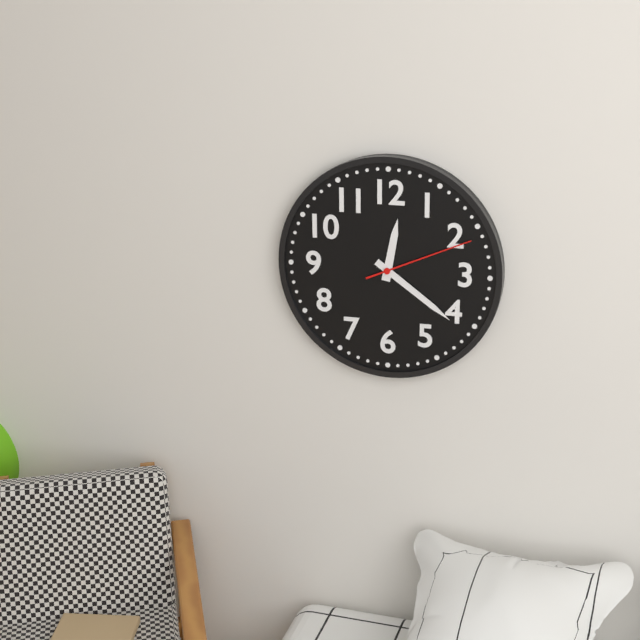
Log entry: 12:21:11
